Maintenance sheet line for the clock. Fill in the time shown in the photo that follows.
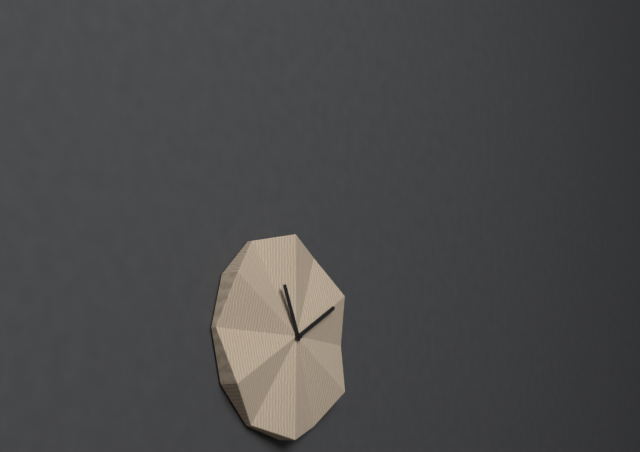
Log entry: 11:10
